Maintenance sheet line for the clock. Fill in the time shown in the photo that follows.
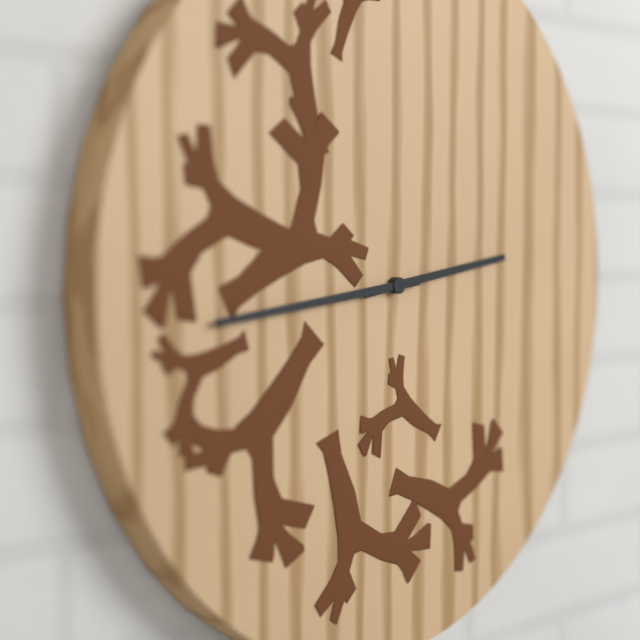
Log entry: 2:44
